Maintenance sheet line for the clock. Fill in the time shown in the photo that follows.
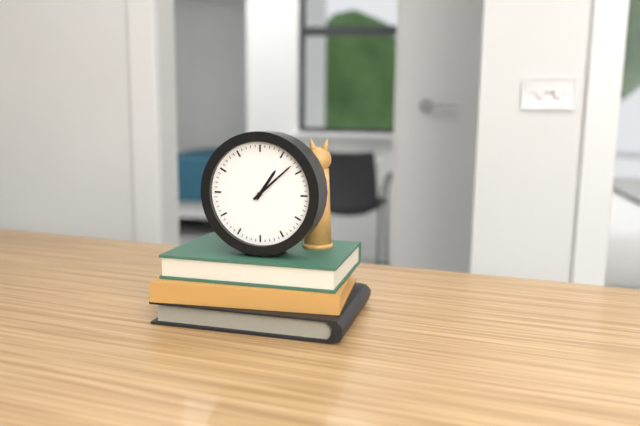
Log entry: 1:08
